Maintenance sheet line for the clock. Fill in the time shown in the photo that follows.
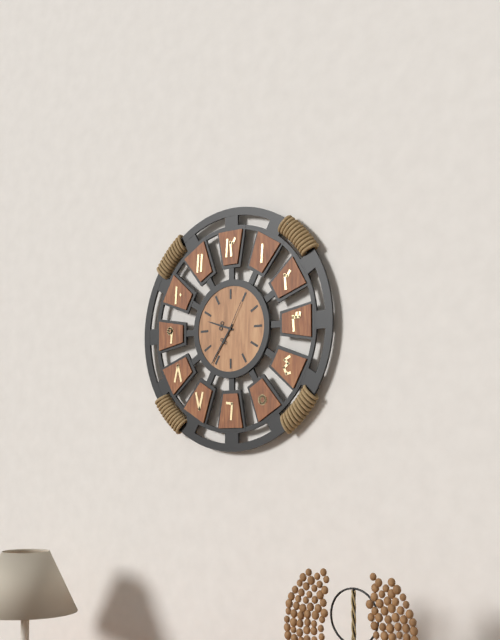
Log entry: 9:36
